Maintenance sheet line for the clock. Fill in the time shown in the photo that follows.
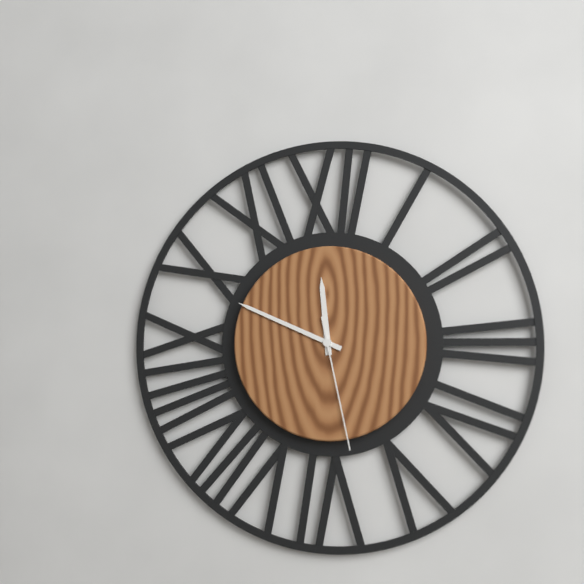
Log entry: 11:49:28
